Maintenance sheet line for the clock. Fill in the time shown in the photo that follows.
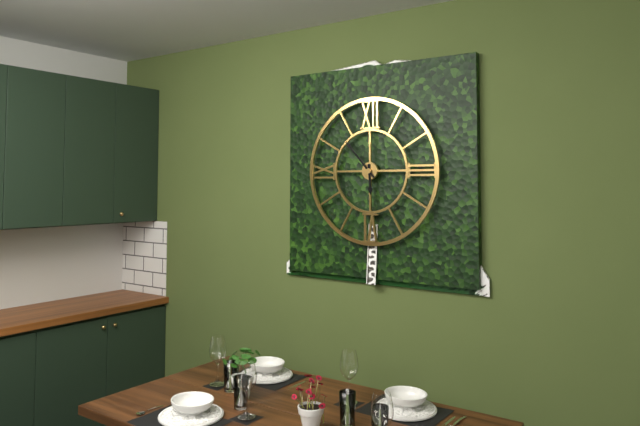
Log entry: 5:53
